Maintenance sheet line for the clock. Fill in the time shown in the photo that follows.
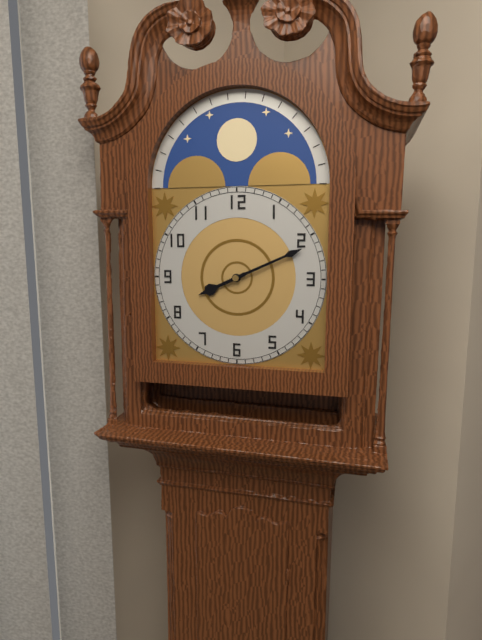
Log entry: 8:11
